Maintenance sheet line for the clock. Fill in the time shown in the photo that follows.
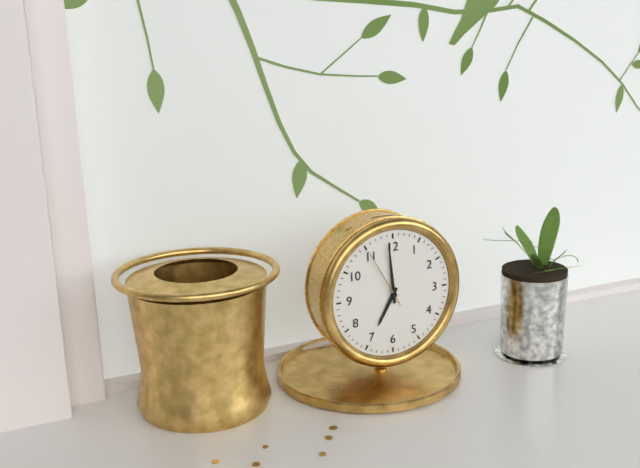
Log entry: 6:59:55
